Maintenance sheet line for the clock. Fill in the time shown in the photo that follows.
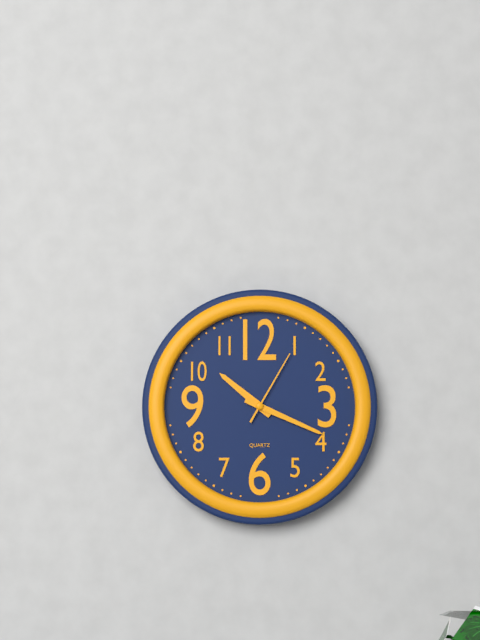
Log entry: 10:19:05
